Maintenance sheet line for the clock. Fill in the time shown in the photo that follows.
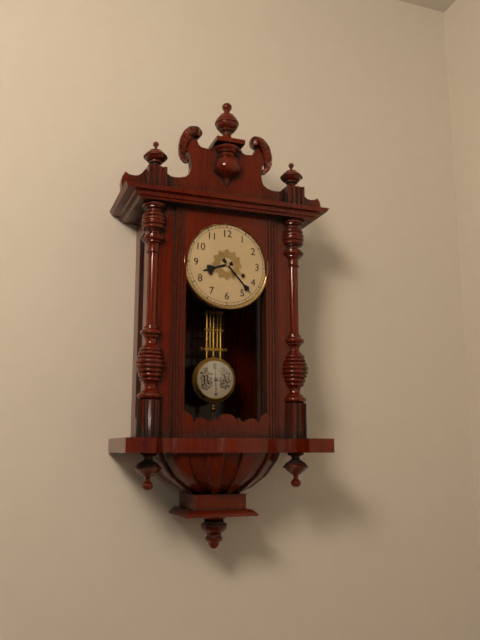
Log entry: 8:23
